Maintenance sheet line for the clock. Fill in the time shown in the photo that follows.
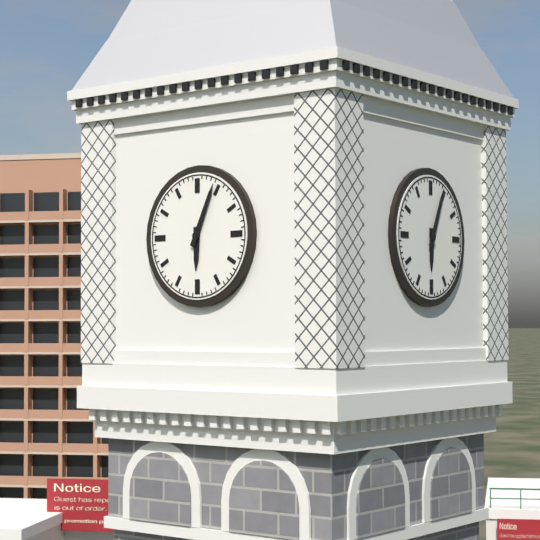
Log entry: 6:04
